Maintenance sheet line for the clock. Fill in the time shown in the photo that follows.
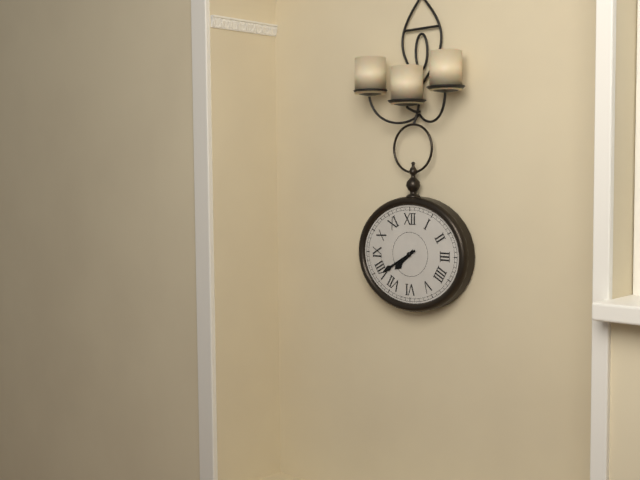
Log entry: 7:40
